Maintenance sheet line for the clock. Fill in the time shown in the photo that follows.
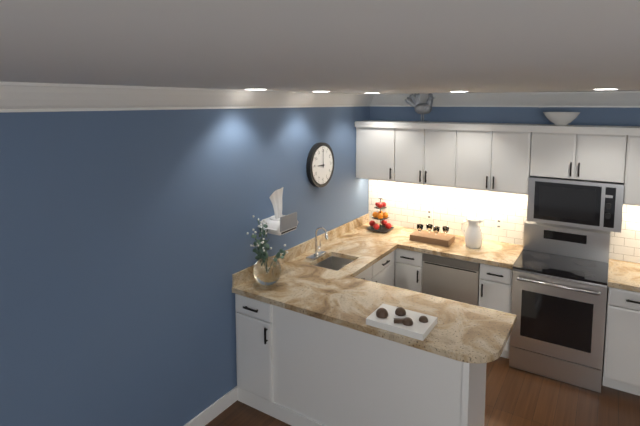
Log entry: 9:00
